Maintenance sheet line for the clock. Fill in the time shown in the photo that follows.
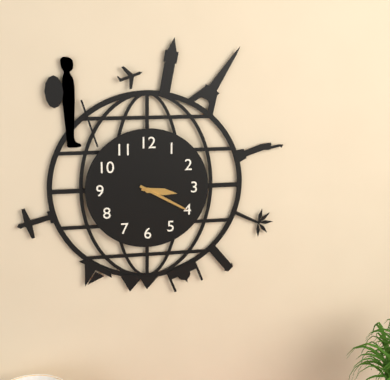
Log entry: 3:20
